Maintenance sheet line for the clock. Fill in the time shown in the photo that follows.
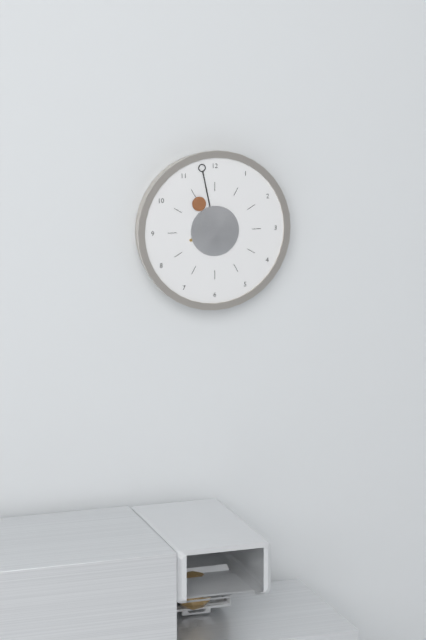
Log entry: 10:58
